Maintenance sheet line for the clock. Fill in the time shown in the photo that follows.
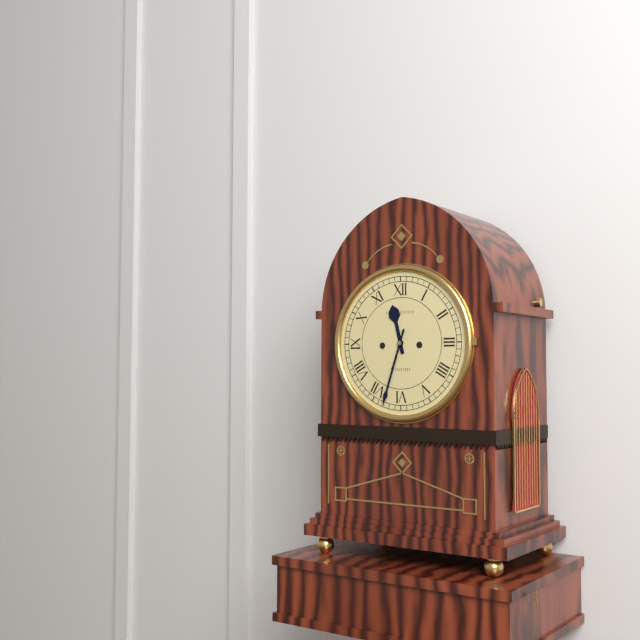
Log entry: 11:33
